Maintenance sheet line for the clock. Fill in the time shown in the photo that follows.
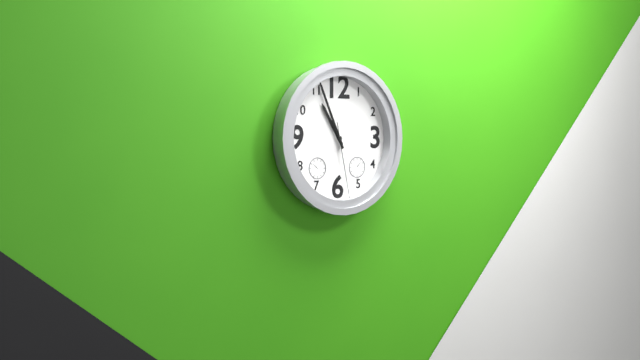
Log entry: 10:56:28
